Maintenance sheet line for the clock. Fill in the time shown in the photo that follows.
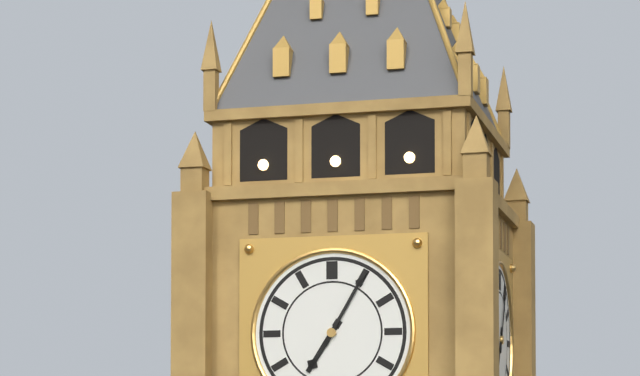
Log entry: 7:05
